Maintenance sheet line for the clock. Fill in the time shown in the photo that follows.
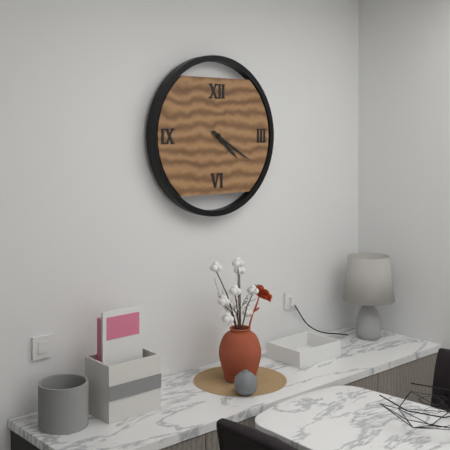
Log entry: 4:20
